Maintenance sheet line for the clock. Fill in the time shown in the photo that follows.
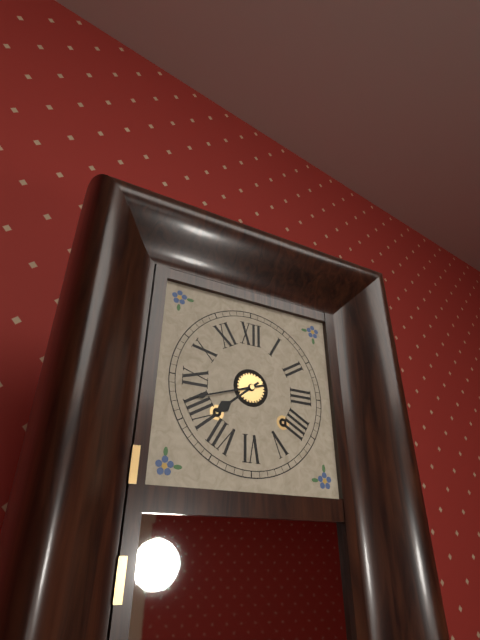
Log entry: 7:42
